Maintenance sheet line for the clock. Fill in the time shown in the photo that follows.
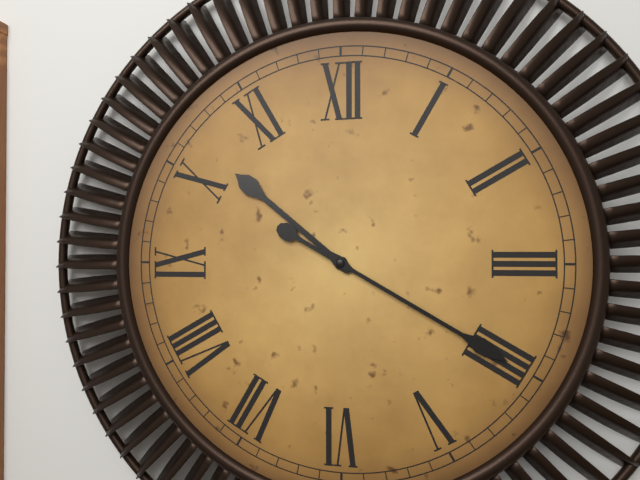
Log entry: 10:20
